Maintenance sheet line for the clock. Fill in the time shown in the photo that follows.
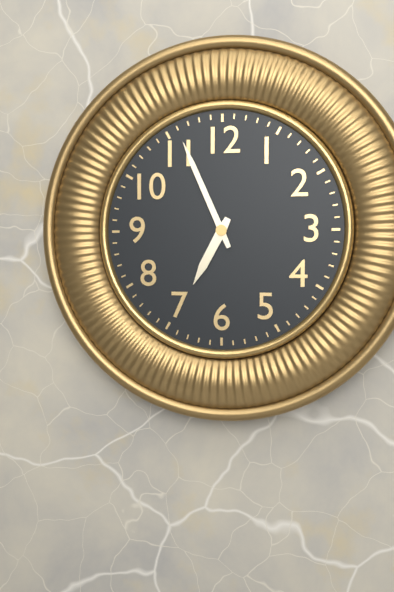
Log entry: 6:56
